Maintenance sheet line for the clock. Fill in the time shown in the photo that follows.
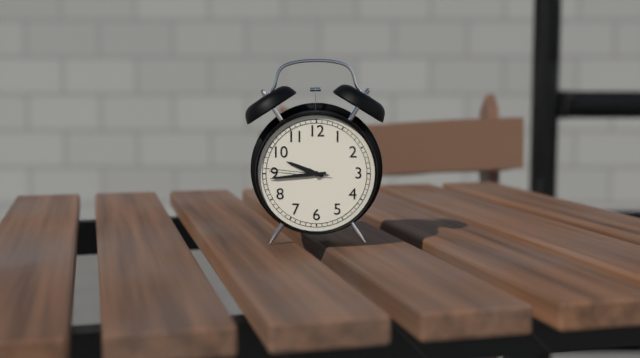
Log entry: 9:44:46
